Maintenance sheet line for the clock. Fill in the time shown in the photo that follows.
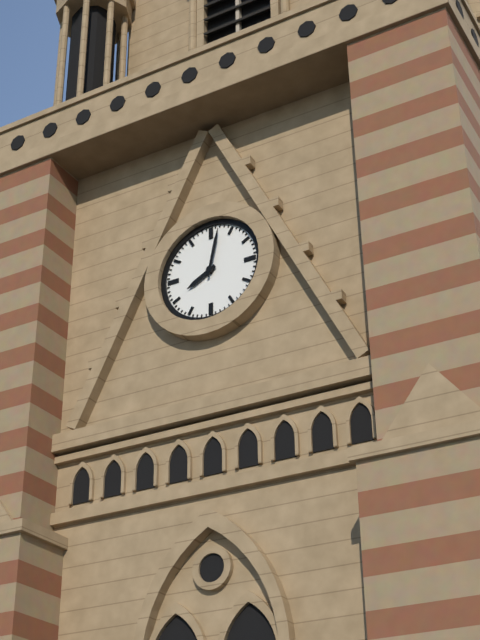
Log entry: 8:02
